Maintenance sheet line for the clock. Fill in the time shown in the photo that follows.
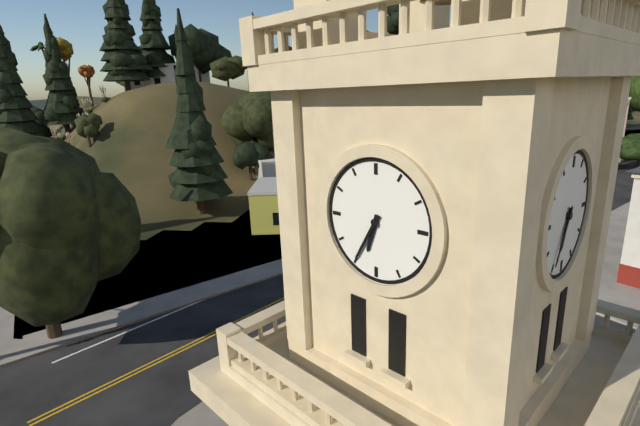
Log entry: 6:35
